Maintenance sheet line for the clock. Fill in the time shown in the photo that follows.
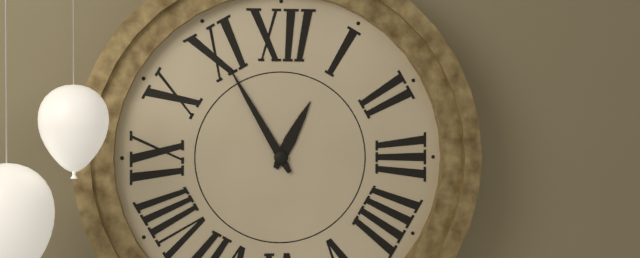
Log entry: 12:55
